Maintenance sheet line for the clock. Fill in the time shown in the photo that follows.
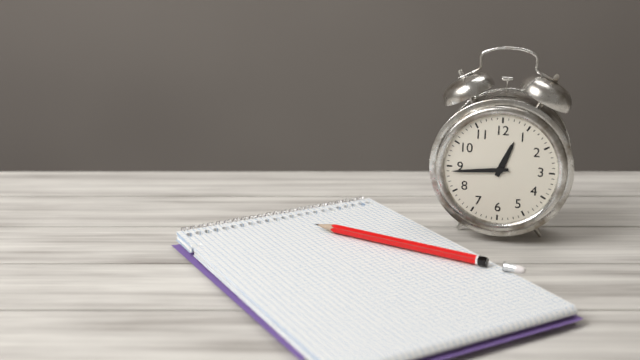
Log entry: 12:44
